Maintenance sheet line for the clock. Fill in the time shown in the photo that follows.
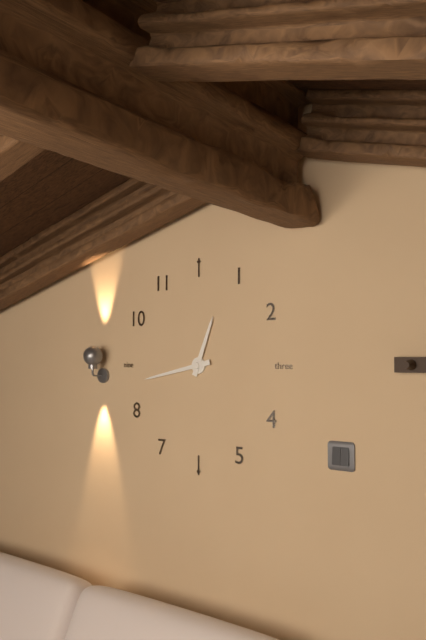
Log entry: 12:43
